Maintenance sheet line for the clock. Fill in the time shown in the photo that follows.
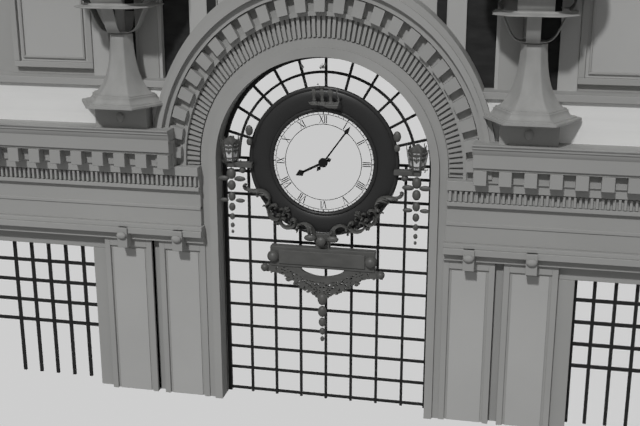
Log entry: 8:06
